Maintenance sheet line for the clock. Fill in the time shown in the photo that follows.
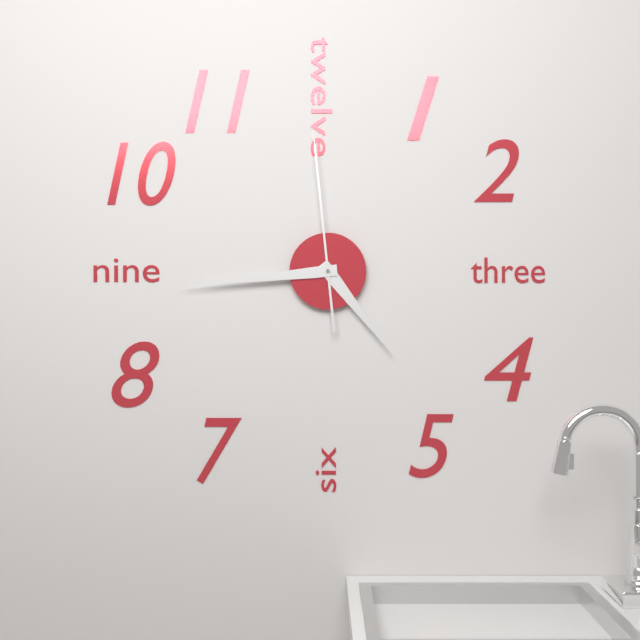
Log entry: 4:44:59
